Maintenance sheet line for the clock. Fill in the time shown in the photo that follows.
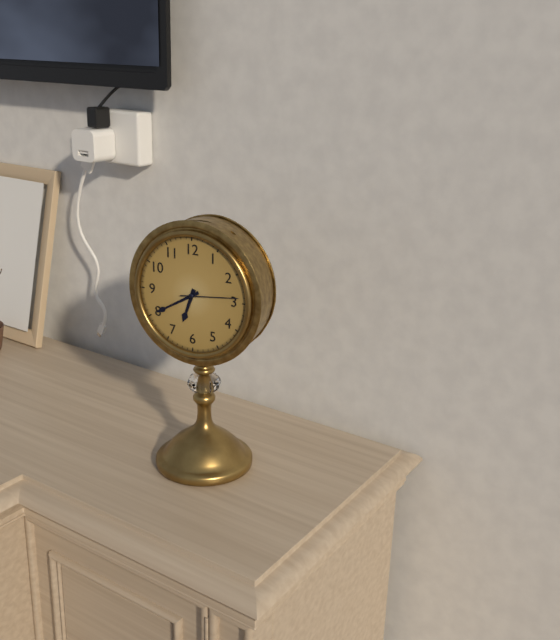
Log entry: 6:40
